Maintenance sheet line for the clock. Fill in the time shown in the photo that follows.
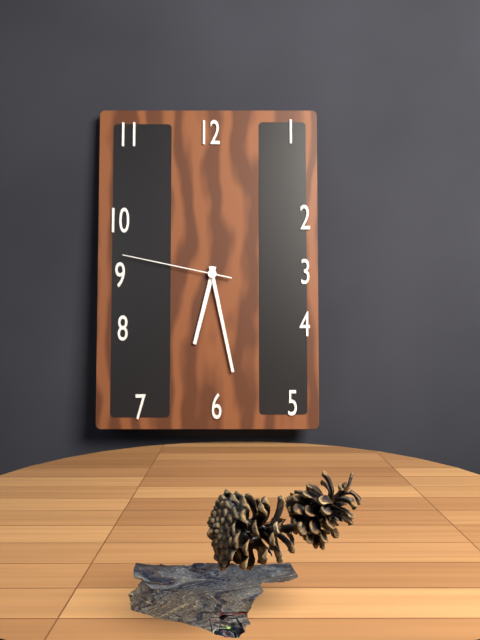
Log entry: 6:28:47
